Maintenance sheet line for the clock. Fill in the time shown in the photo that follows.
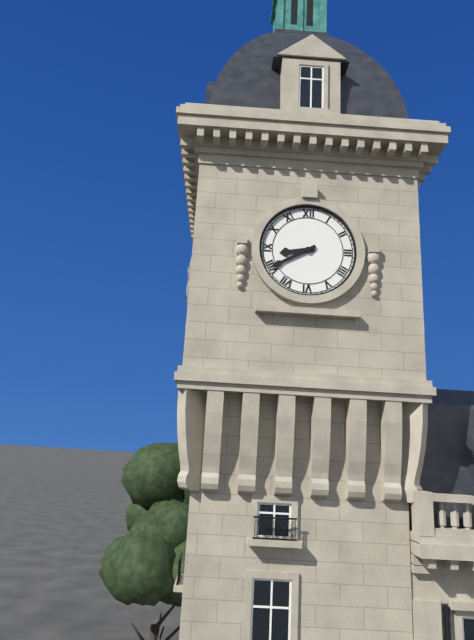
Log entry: 8:40
